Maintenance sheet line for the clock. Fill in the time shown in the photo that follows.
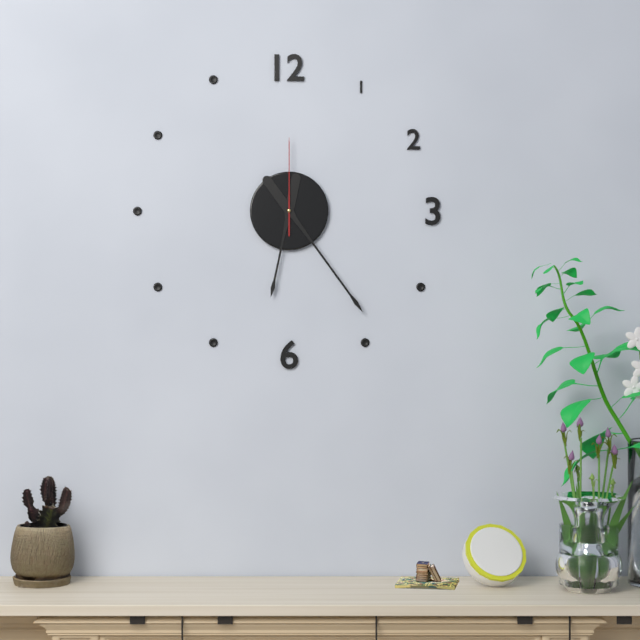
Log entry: 6:24:00
